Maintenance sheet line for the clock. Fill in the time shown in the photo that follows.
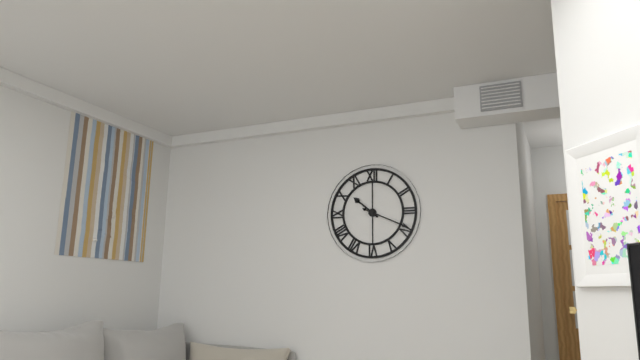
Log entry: 10:19
